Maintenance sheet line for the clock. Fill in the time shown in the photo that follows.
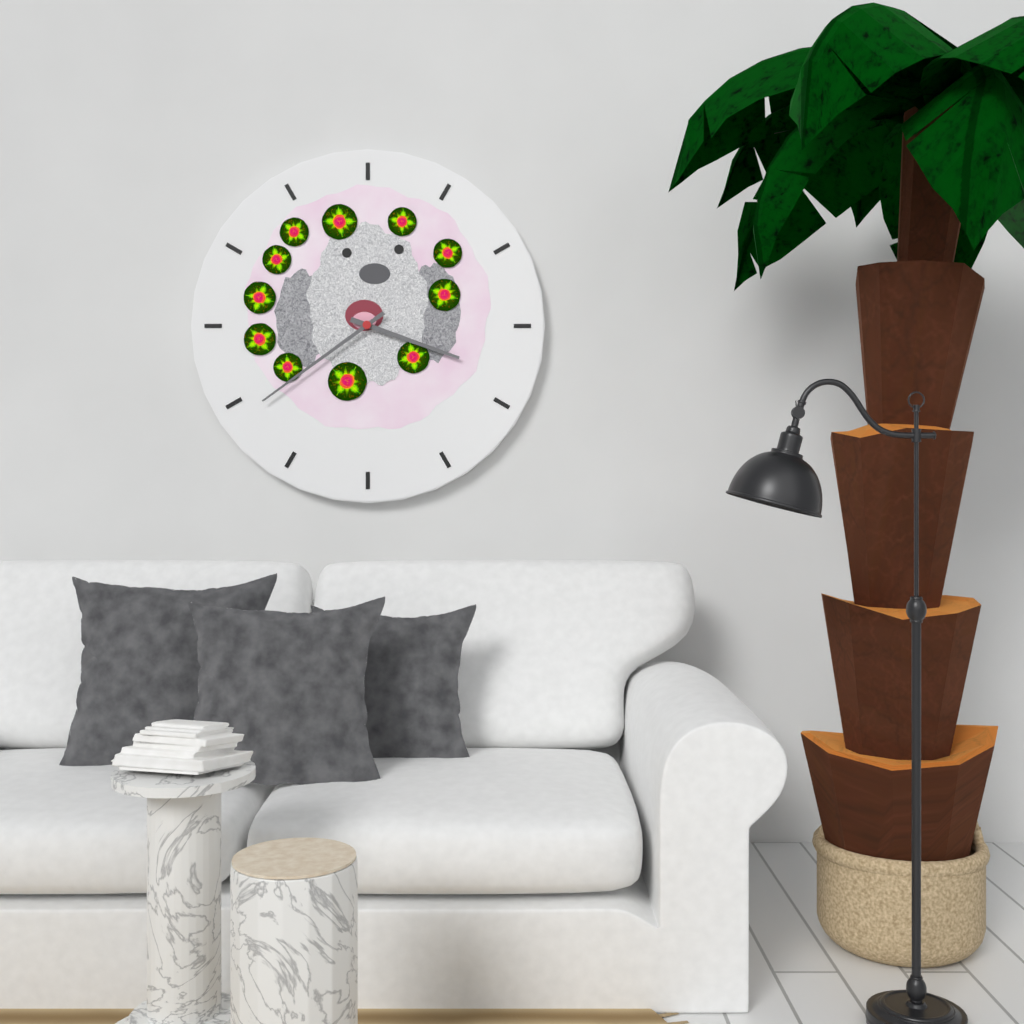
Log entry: 3:39
